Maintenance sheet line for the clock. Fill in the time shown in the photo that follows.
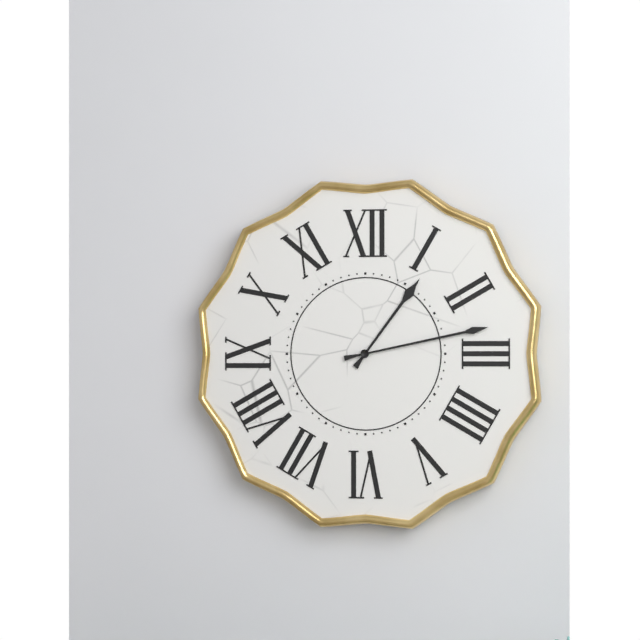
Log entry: 1:13
